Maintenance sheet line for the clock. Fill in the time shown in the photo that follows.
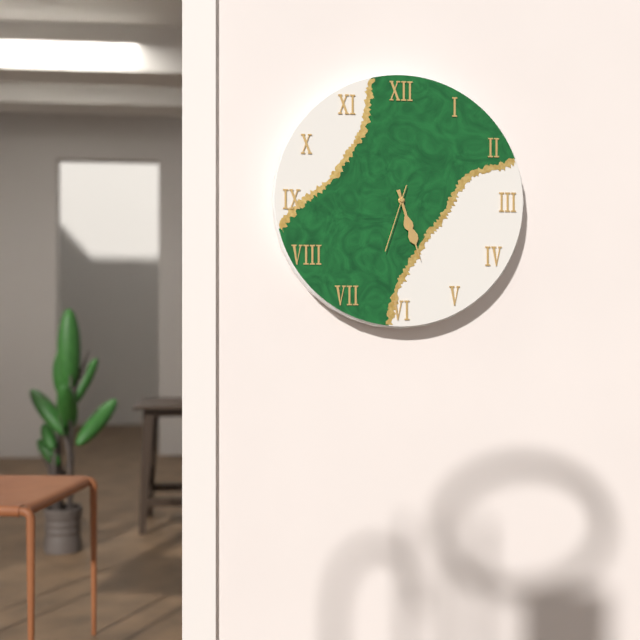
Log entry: 5:27:33
